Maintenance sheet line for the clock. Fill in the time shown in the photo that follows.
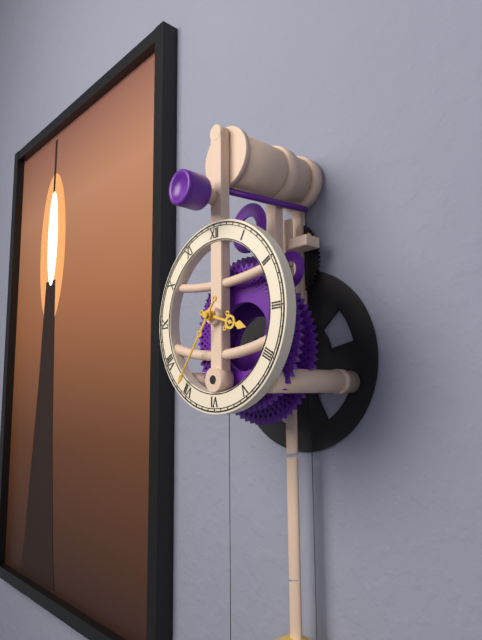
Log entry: 3:36
